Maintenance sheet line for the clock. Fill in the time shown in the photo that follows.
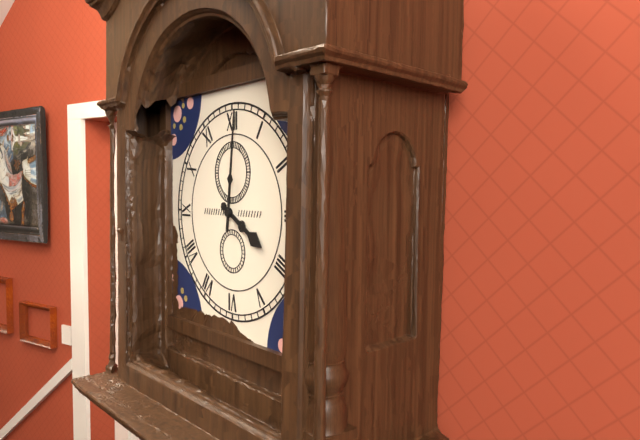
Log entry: 4:01
